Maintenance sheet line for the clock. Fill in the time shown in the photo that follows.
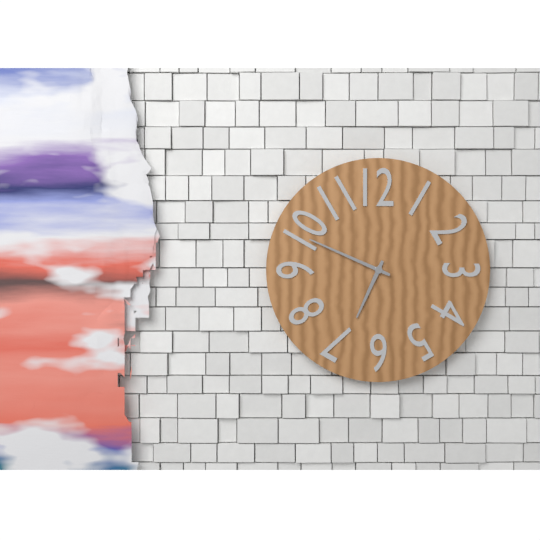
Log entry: 6:49
